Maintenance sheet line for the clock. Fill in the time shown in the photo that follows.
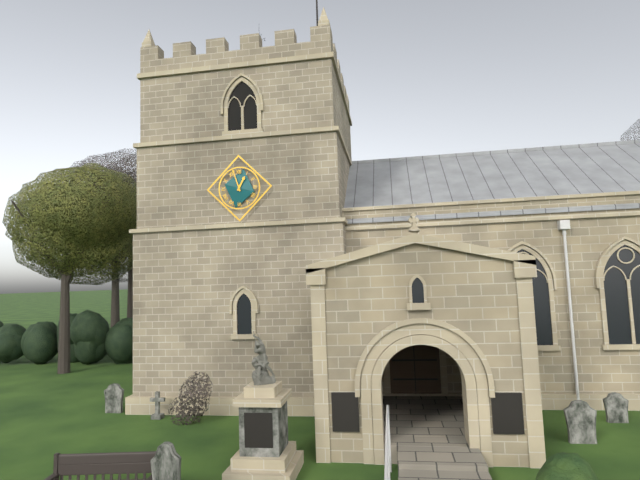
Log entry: 12:57
